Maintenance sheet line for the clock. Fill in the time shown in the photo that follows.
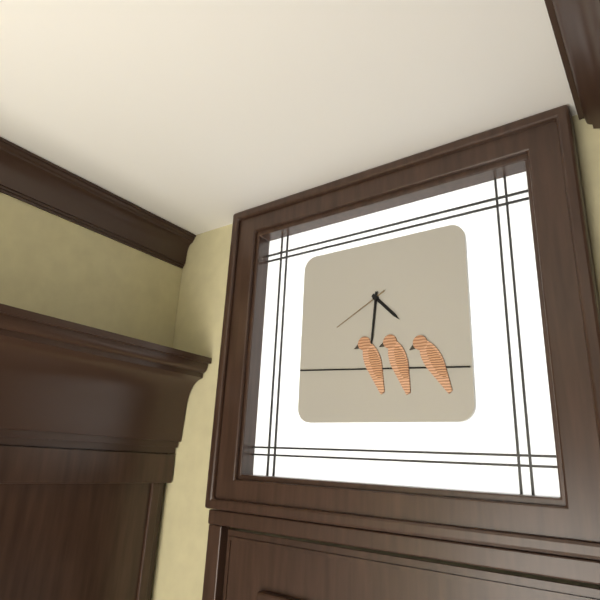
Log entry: 4:31:40
